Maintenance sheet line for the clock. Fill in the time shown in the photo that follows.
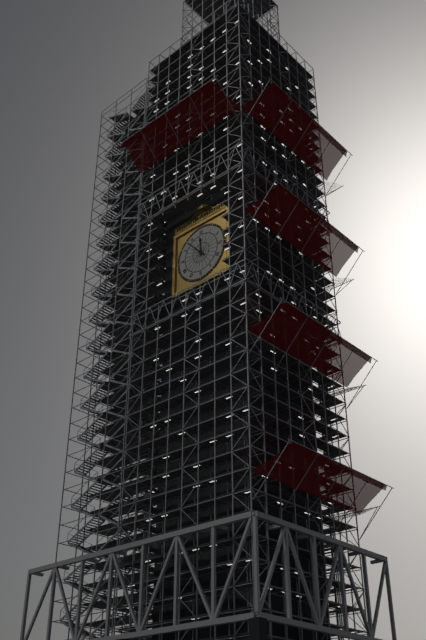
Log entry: 11:53
